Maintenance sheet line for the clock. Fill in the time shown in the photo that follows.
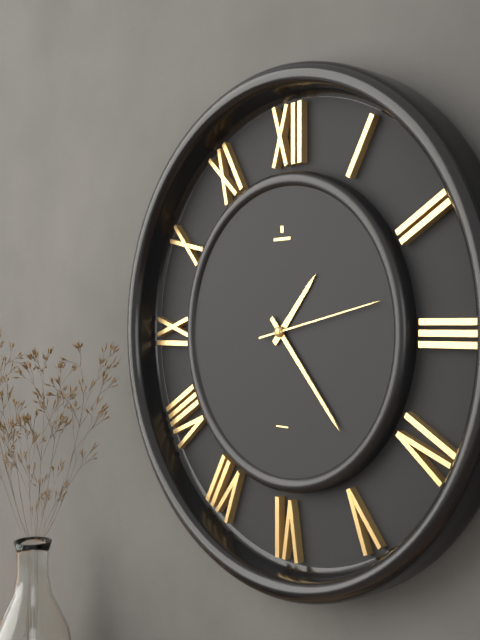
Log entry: 1:23:13
